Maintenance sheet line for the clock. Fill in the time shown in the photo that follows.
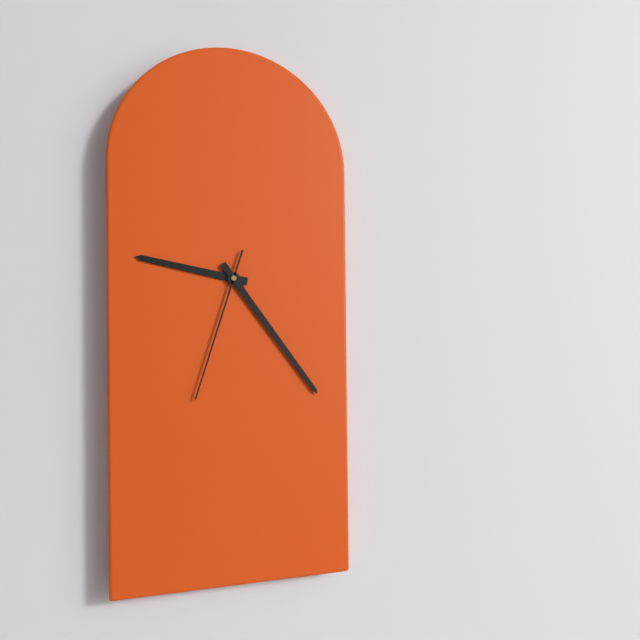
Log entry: 9:24:33
